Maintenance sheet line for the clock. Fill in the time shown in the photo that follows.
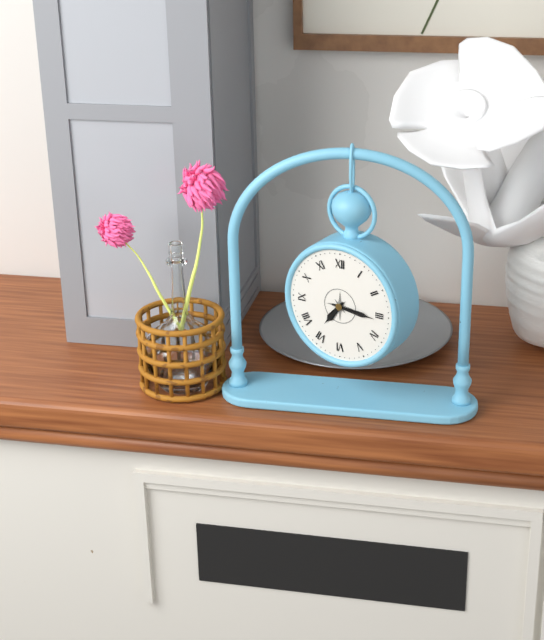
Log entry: 7:16
